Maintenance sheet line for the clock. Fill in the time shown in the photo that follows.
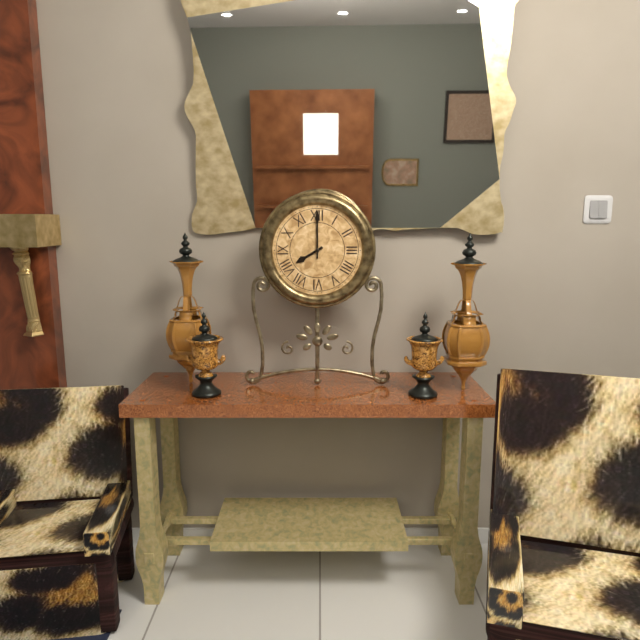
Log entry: 8:00
